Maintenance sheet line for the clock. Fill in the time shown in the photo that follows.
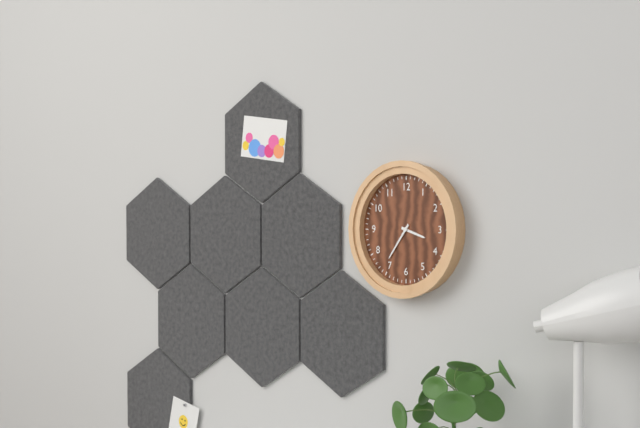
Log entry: 3:36
